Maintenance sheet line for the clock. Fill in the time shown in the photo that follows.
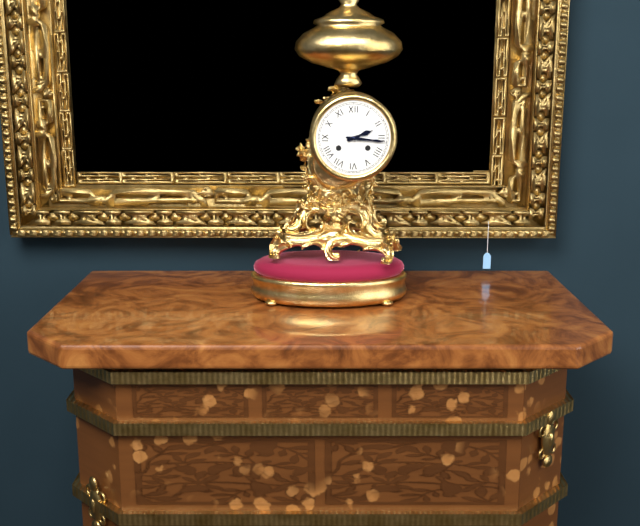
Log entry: 2:16
